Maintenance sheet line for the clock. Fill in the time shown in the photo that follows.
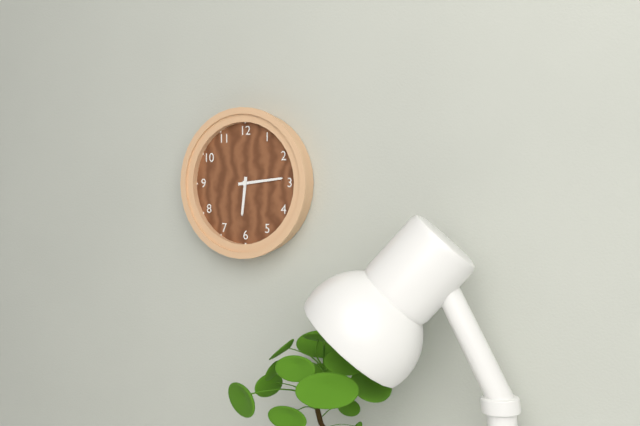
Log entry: 6:14
